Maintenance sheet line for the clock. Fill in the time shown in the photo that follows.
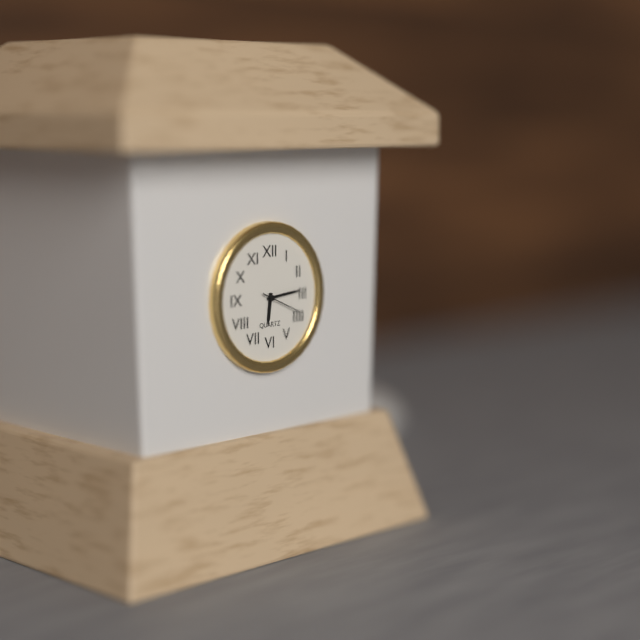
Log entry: 6:14
